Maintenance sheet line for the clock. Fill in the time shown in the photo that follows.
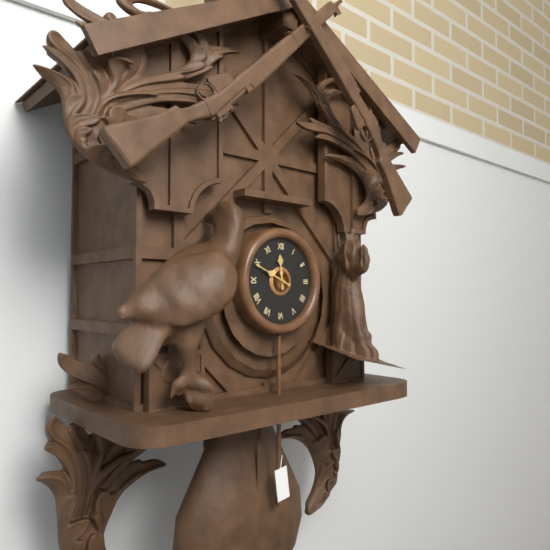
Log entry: 11:49
